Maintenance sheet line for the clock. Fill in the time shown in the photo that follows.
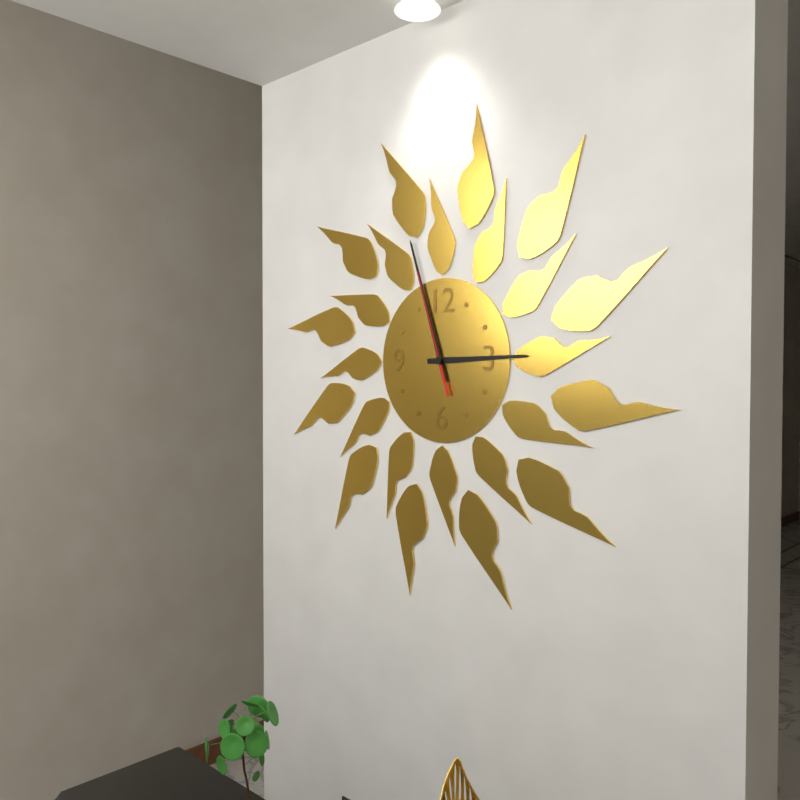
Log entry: 2:57:57
